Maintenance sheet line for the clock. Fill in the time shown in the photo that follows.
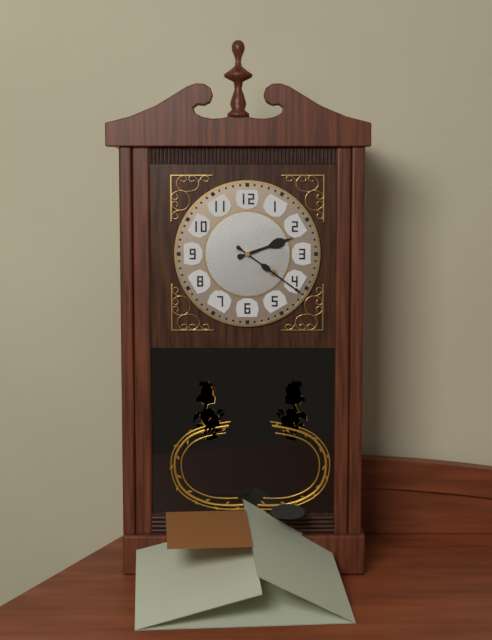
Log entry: 2:21
